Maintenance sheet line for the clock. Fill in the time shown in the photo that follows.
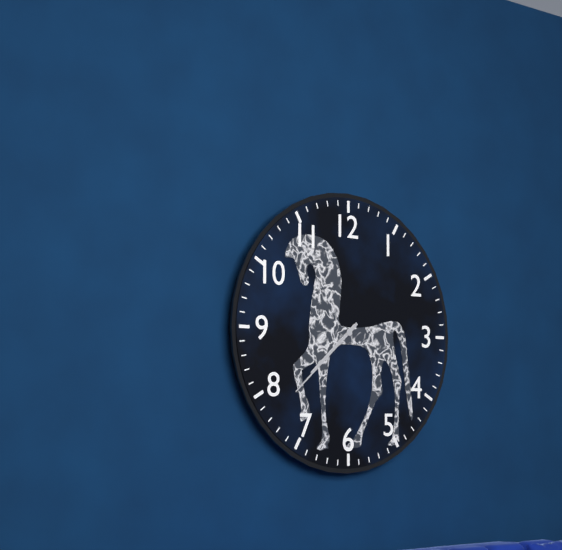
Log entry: 7:38
